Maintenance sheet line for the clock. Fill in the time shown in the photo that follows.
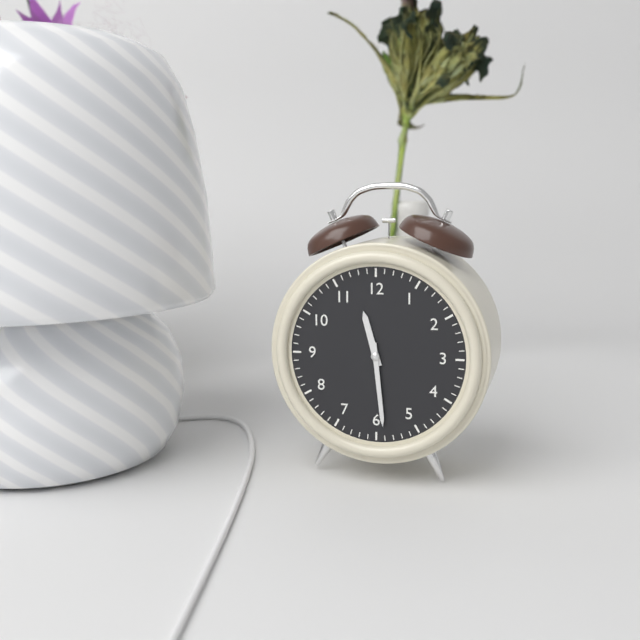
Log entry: 11:29
